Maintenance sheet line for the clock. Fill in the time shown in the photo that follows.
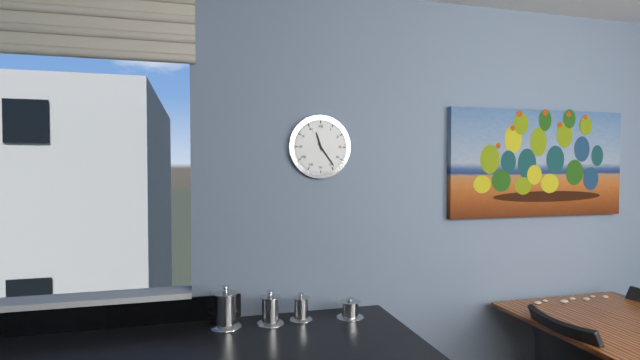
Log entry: 11:24
